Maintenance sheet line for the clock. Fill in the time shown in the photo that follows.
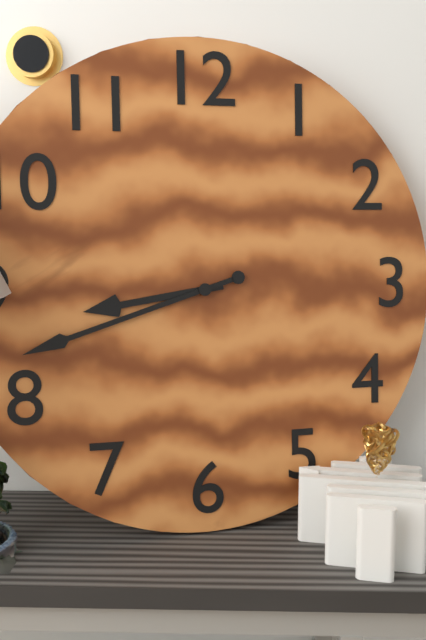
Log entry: 8:42
